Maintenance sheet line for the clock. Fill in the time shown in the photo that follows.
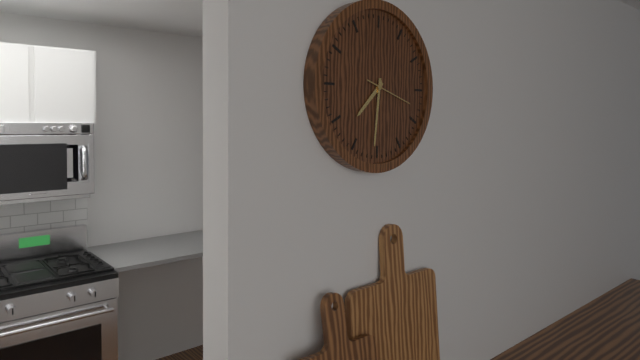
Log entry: 7:31
